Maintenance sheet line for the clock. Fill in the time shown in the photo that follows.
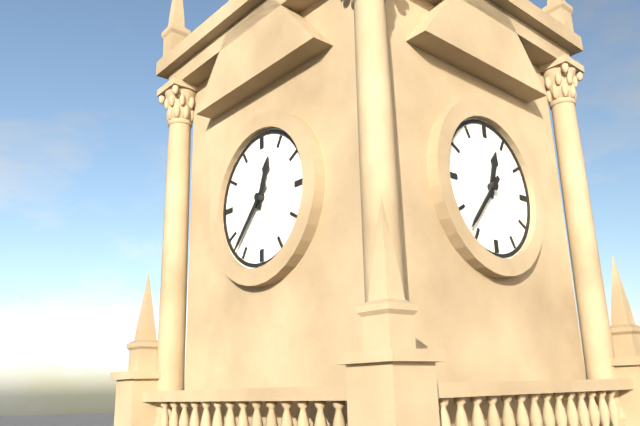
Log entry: 12:37
